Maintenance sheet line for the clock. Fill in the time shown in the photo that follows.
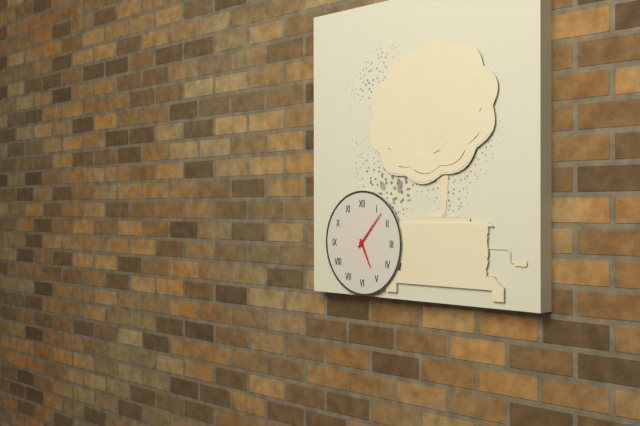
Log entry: 5:07
